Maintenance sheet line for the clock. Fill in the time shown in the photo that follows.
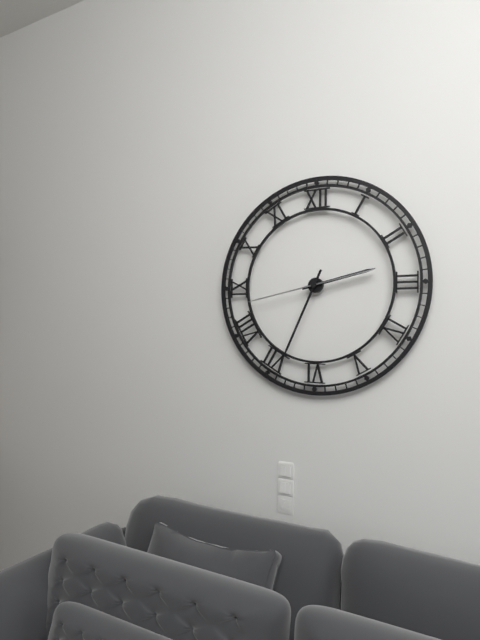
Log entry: 2:34:43
